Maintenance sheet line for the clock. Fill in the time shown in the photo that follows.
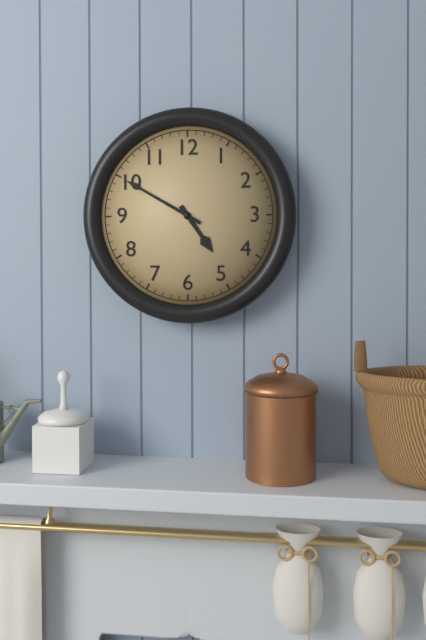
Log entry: 4:50
